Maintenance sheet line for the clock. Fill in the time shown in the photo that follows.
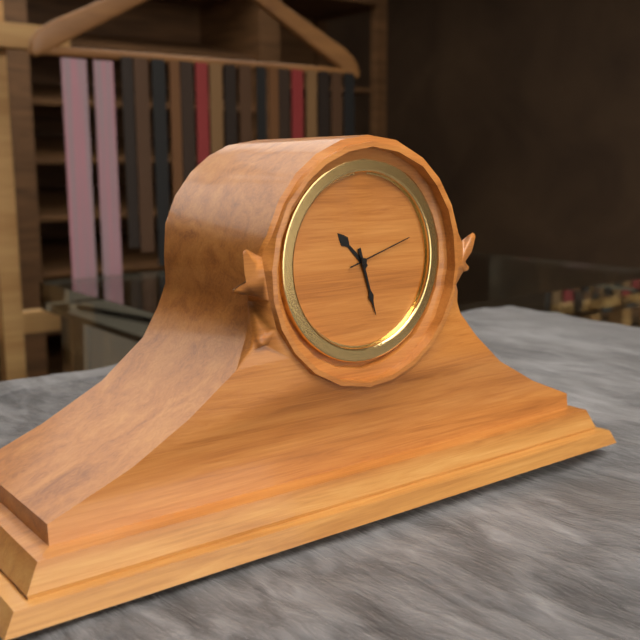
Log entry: 10:27:12
